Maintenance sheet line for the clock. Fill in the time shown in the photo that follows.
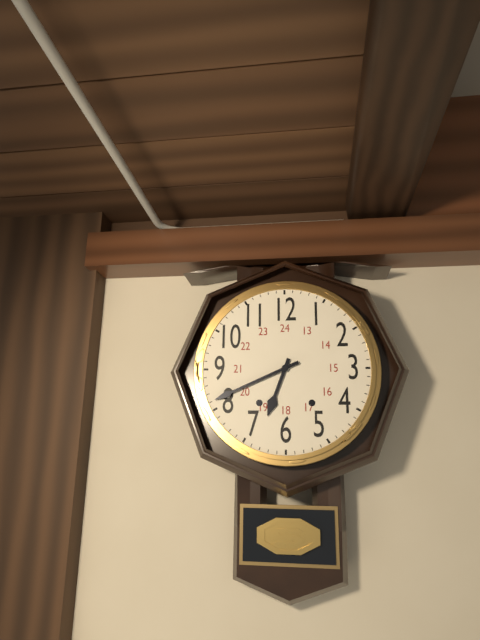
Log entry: 6:41
